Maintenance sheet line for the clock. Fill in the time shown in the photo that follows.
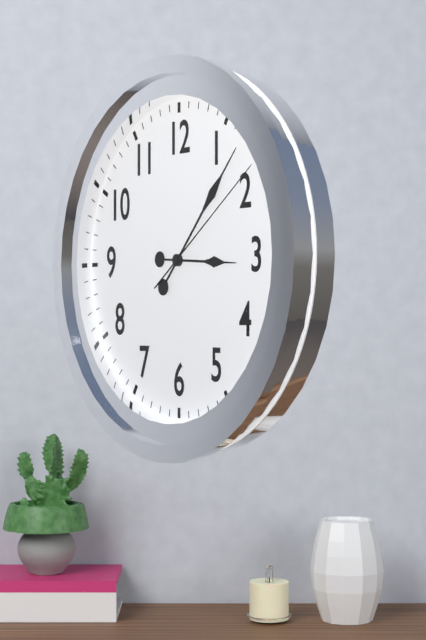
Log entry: 3:07:09
